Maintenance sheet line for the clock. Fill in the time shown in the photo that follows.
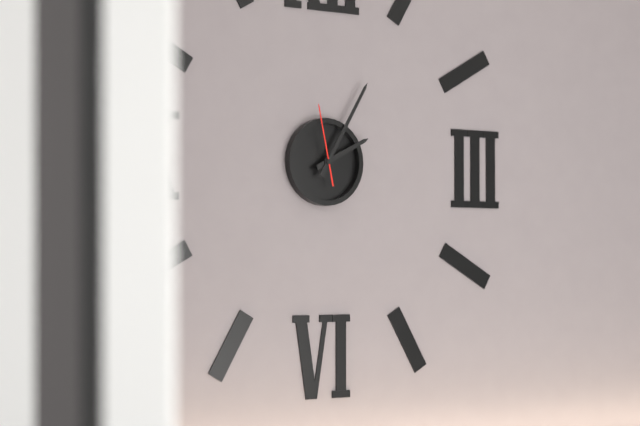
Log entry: 2:05:58
